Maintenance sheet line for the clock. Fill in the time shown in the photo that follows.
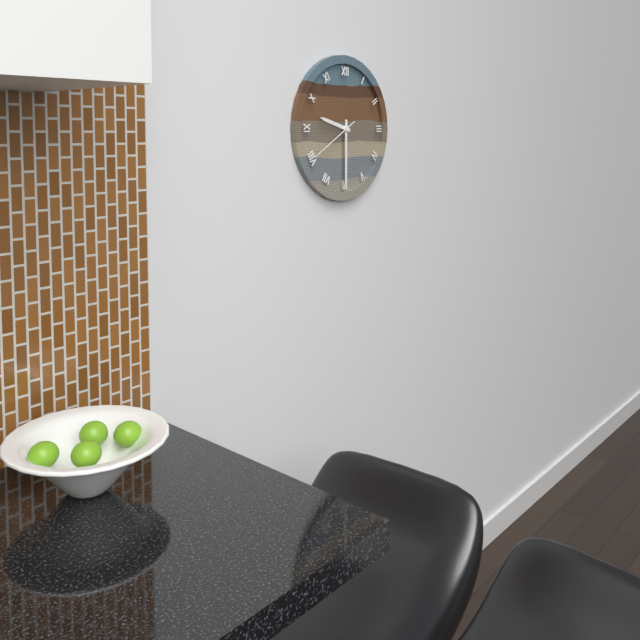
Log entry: 9:30:40
